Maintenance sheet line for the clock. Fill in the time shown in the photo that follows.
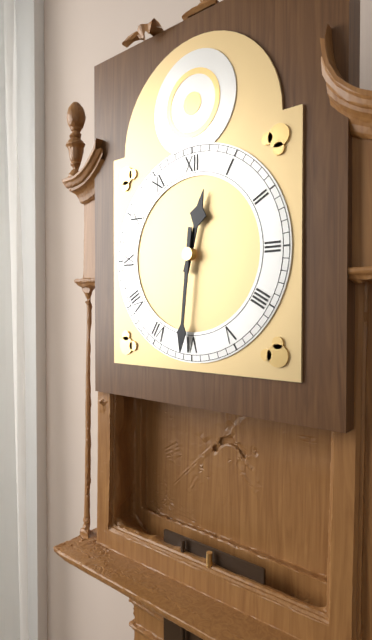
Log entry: 12:31
